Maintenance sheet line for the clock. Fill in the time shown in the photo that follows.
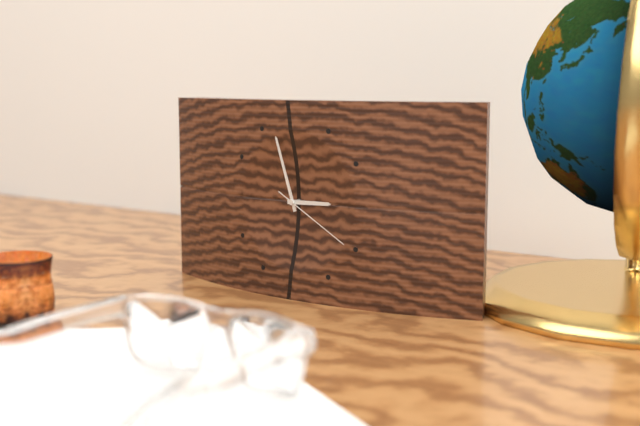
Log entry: 2:57:20
